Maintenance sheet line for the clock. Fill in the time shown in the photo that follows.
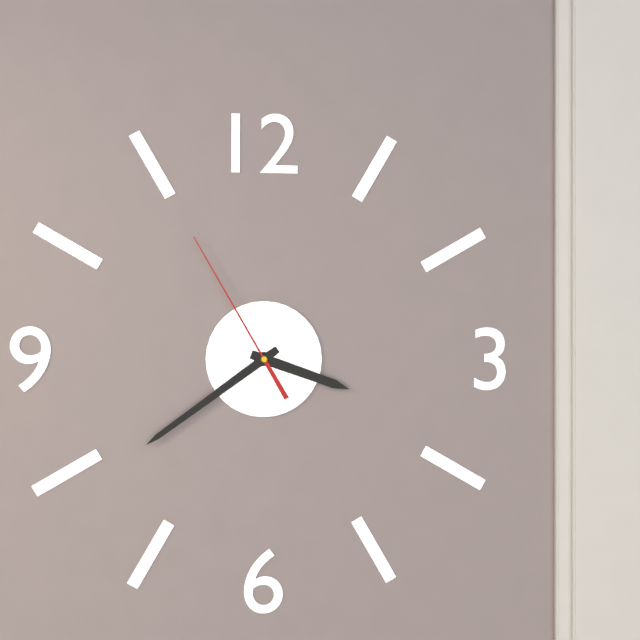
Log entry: 3:39:55
